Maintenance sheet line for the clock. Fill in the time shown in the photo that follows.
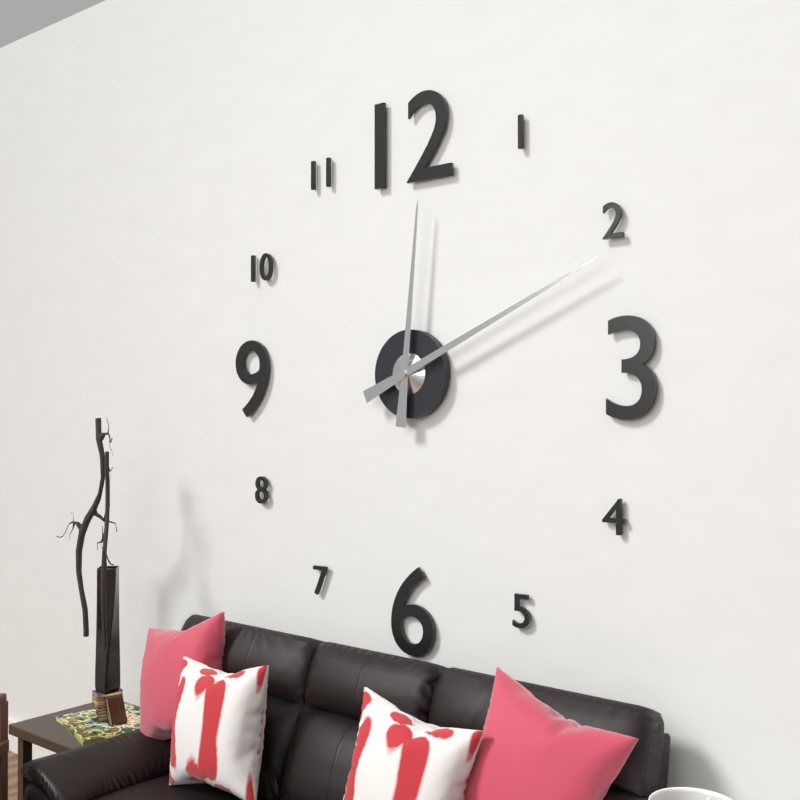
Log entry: 12:11
